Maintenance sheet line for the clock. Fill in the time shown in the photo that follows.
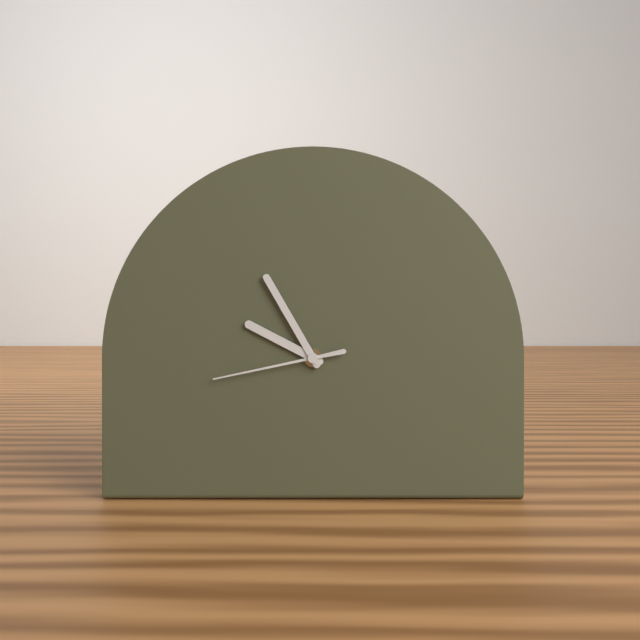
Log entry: 9:55:43
